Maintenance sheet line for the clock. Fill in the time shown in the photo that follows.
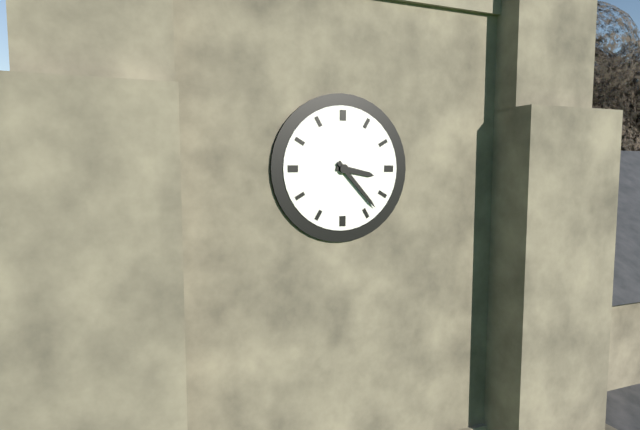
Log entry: 3:23
